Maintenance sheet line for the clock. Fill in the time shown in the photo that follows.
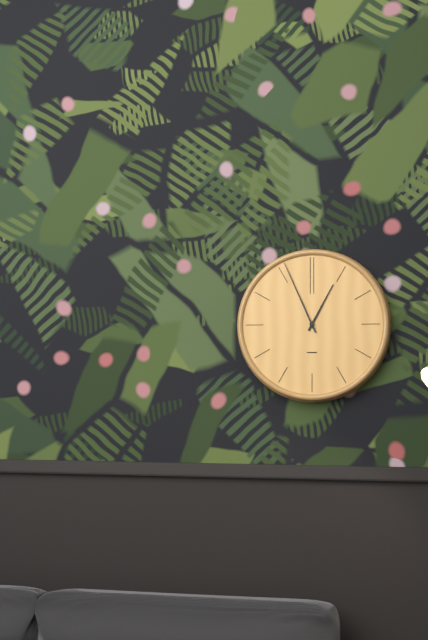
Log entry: 12:56
